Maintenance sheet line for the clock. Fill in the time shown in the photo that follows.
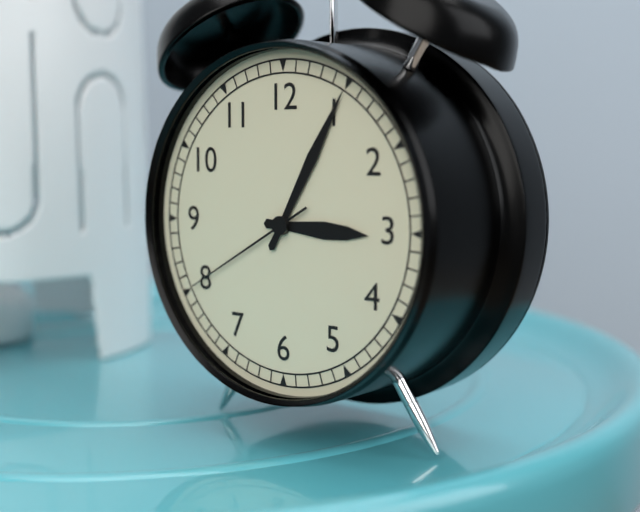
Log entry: 3:05:40
